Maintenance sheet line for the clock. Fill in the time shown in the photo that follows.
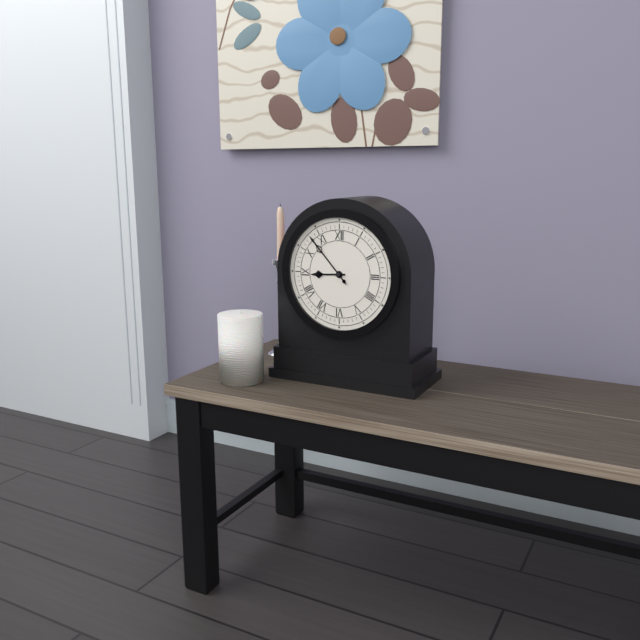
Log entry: 8:53
